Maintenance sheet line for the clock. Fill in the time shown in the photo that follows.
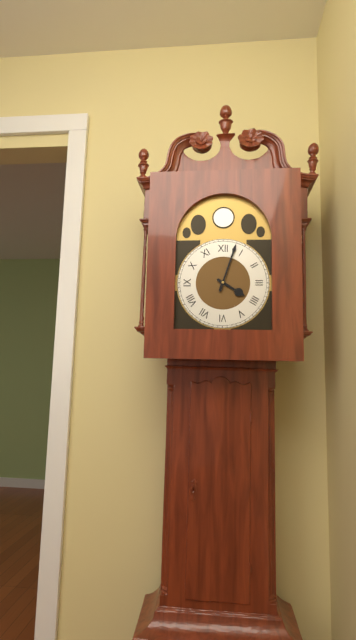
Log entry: 4:03
